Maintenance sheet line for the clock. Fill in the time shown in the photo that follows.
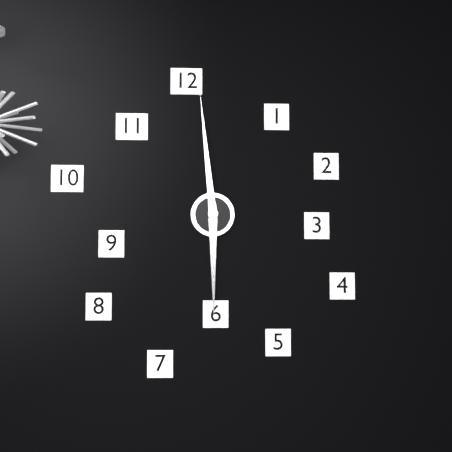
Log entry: 5:59
